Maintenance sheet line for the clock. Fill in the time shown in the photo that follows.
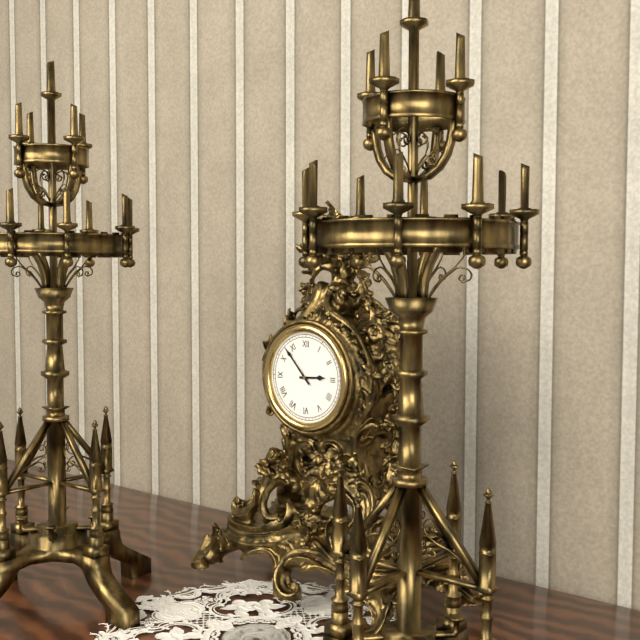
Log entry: 2:53
